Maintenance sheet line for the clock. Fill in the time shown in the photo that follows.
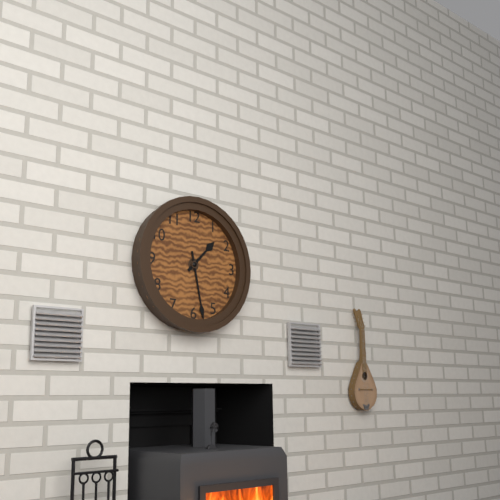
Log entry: 1:28
